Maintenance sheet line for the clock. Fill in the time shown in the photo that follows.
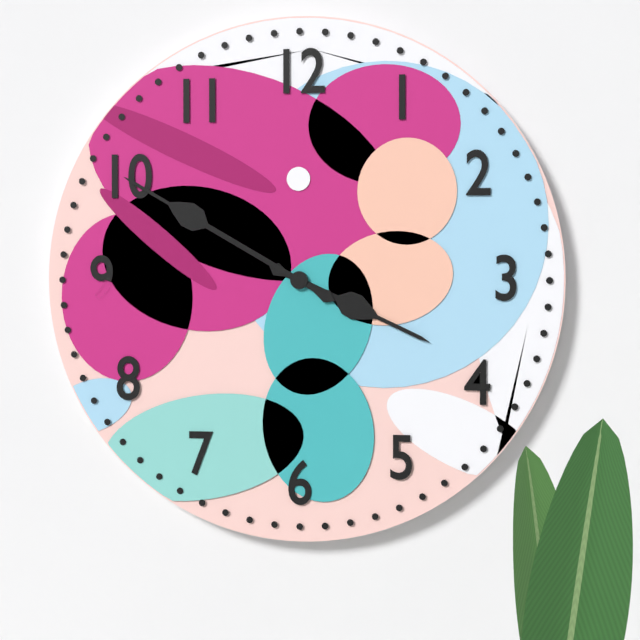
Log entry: 3:50
